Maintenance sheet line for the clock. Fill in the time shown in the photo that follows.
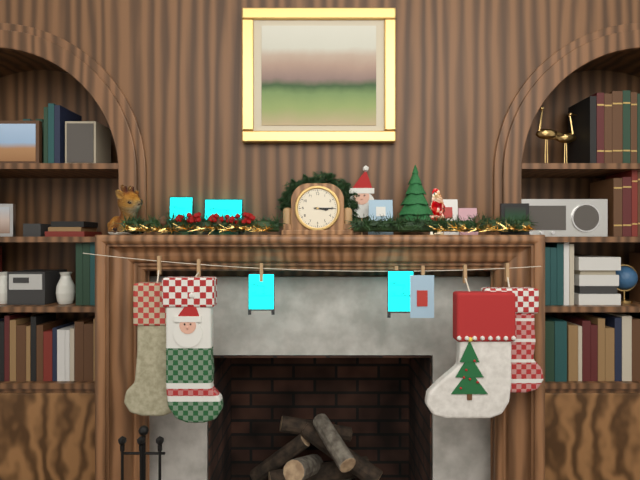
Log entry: 3:15
